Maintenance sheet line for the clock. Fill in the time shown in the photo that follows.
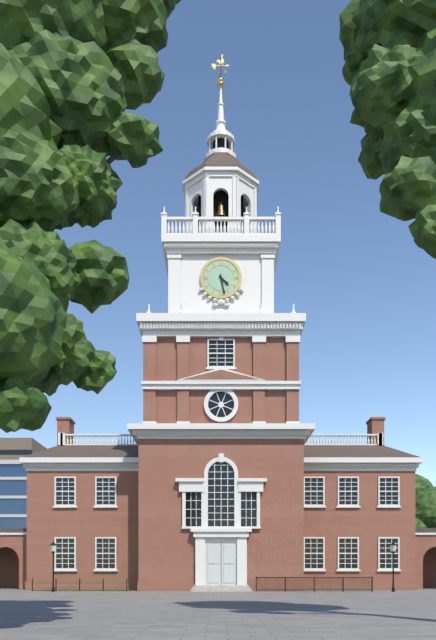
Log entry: 4:28
